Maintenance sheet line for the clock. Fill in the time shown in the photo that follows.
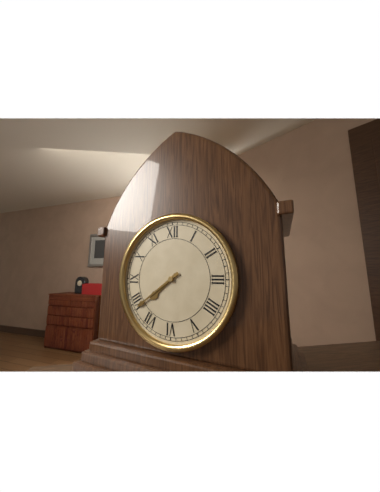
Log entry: 7:39
